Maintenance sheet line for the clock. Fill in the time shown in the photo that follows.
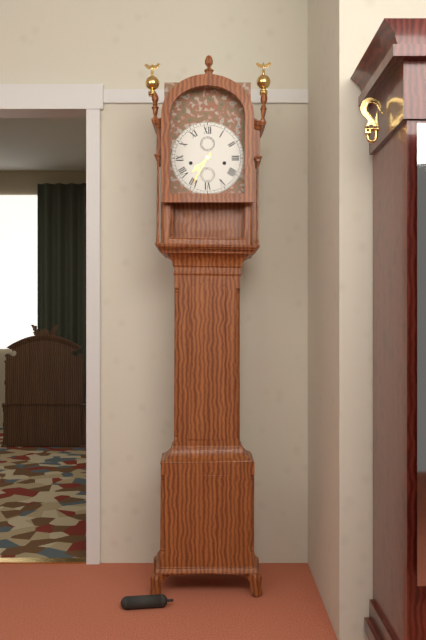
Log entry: 7:35
